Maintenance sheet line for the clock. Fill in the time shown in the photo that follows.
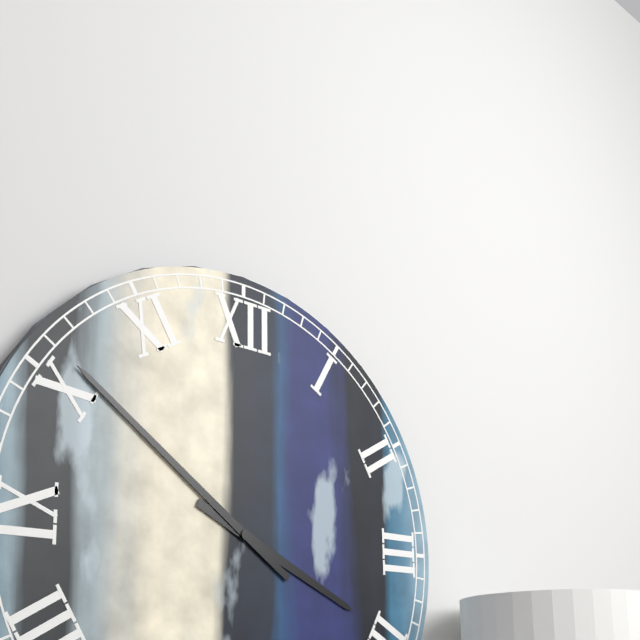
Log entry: 3:51
